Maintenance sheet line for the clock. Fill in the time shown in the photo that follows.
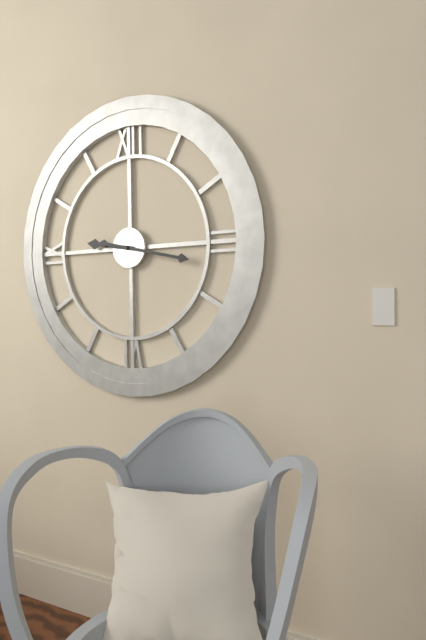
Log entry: 9:17
